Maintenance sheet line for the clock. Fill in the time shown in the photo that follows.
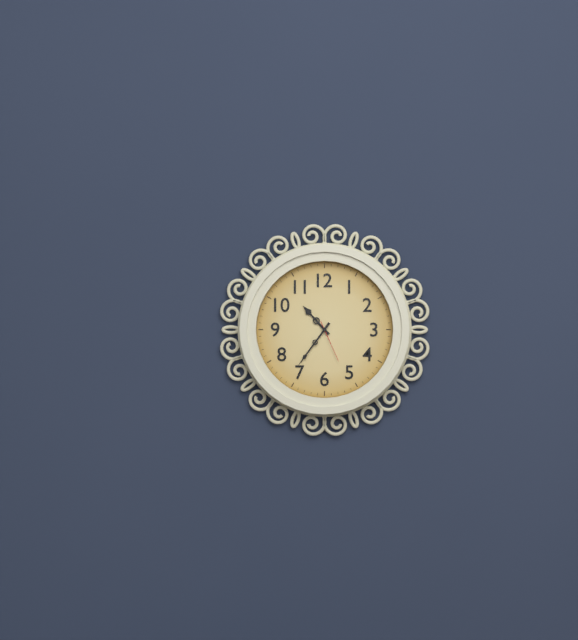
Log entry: 10:36
